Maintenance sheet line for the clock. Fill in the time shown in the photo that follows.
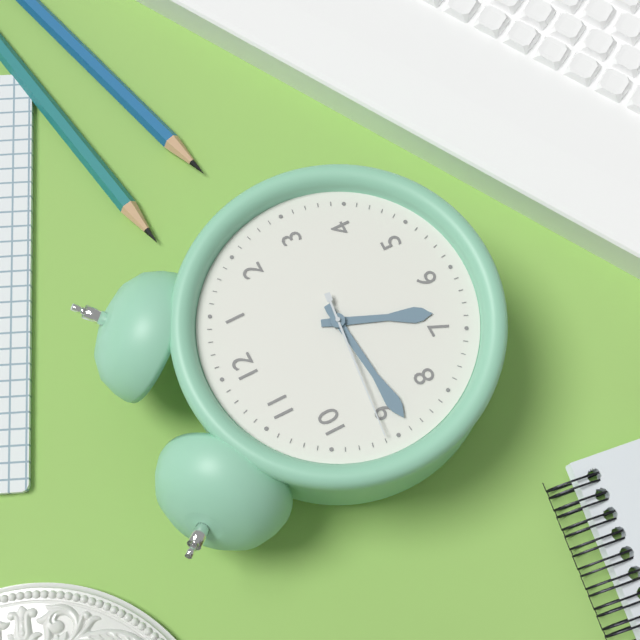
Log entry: 6:44:46
